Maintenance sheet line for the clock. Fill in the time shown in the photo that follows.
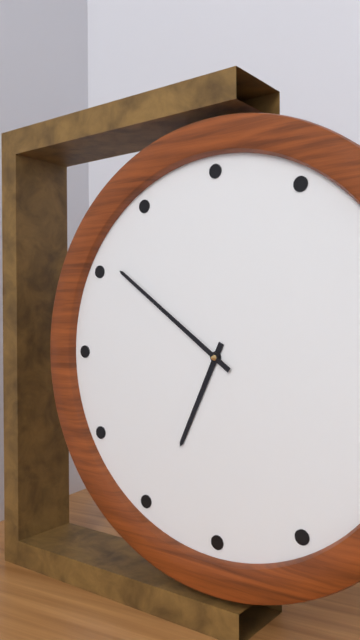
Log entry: 6:51
